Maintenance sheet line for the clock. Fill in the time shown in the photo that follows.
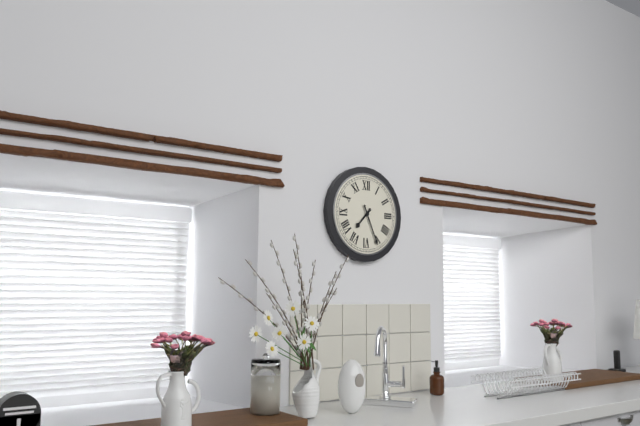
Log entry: 7:26
